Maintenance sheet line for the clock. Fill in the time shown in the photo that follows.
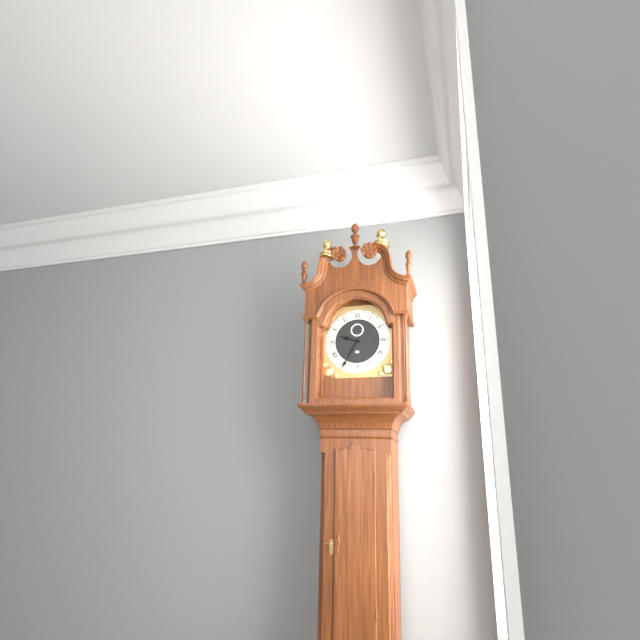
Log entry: 9:35
